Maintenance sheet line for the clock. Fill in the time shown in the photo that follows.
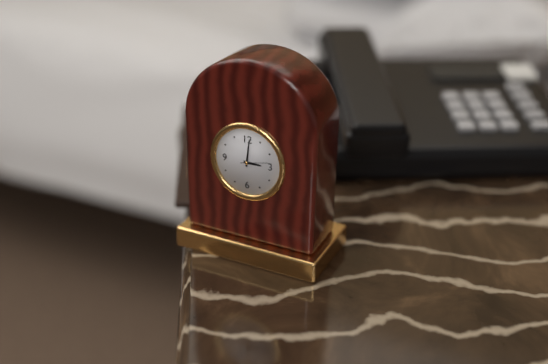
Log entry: 3:01
